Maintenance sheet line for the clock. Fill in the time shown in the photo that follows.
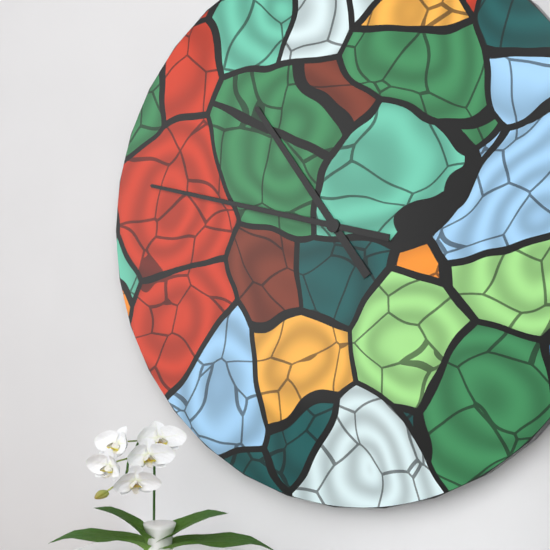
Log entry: 10:47
